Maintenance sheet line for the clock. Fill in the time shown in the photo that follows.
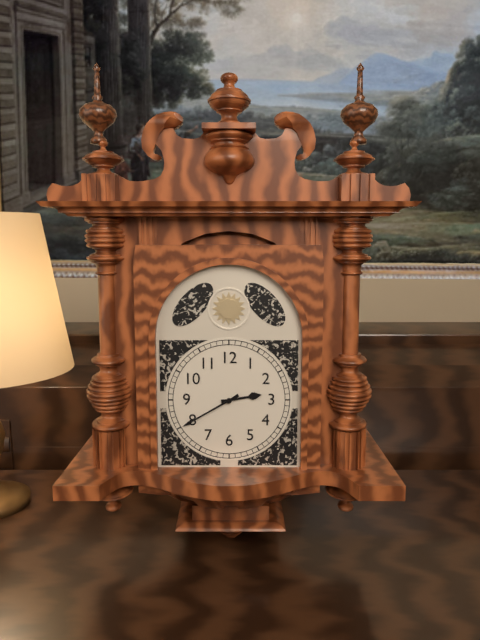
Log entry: 2:40
